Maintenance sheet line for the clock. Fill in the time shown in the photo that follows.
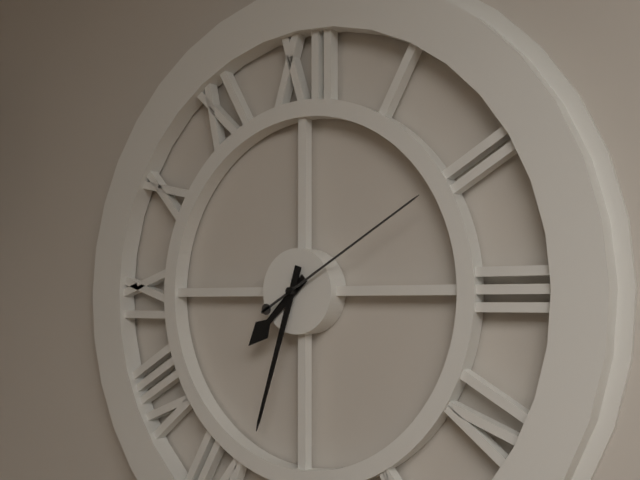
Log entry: 7:33:10
